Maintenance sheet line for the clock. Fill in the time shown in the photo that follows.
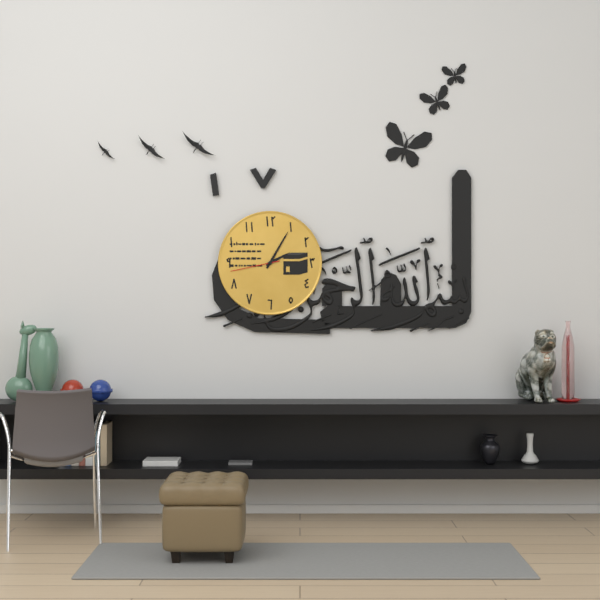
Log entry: 2:05:43
